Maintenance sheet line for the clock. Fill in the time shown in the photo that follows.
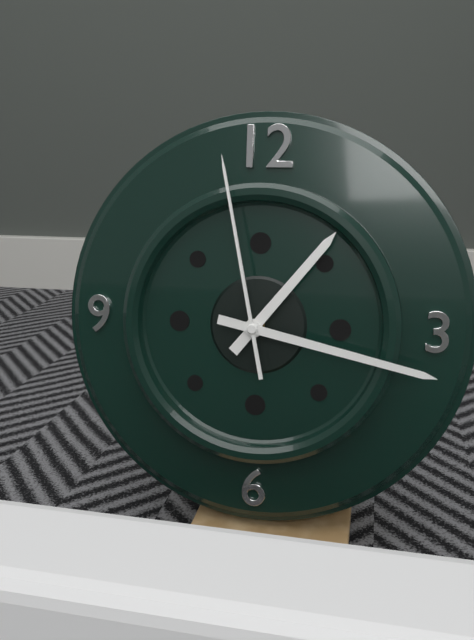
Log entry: 1:17:58
